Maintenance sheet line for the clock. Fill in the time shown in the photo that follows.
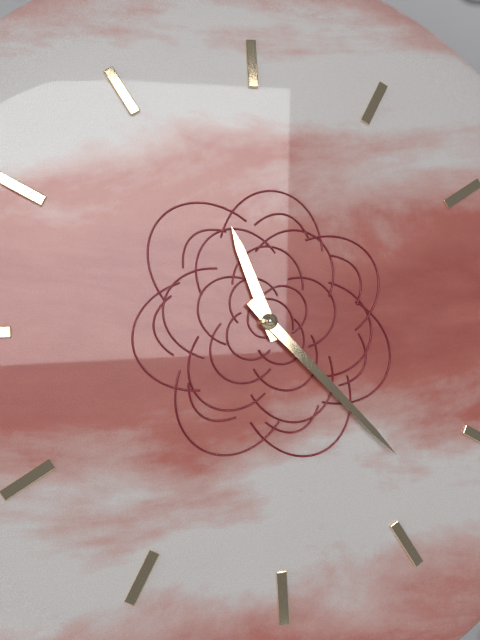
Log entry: 11:23
